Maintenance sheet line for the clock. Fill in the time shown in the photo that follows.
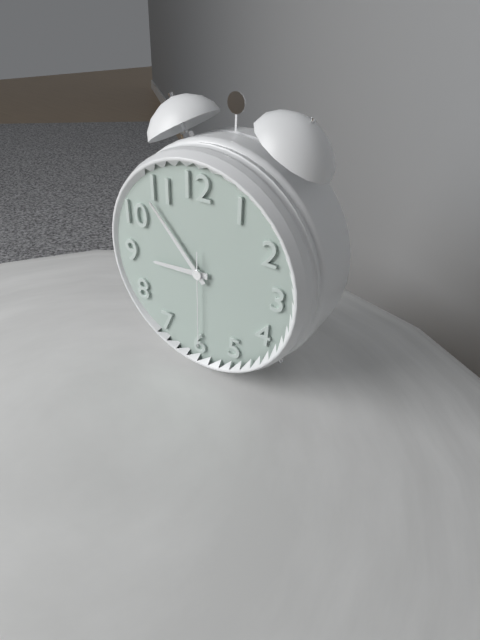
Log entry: 8:53:30
